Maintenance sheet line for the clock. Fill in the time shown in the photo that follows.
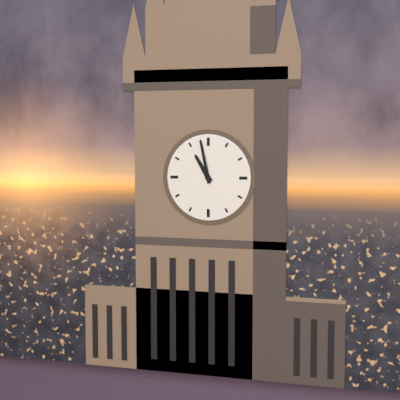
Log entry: 10:58
